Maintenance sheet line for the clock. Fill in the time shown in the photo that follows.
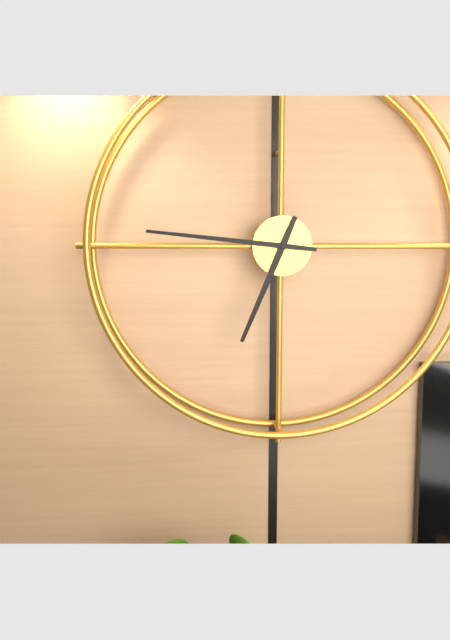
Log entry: 6:46
